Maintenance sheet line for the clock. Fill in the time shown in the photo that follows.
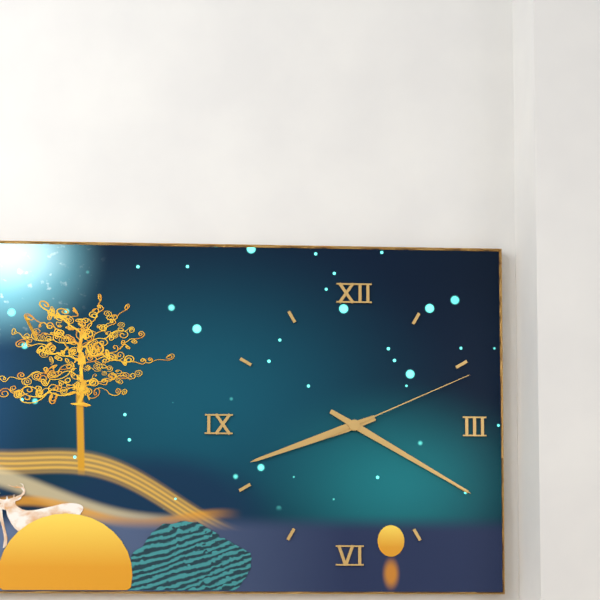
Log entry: 8:20:11
